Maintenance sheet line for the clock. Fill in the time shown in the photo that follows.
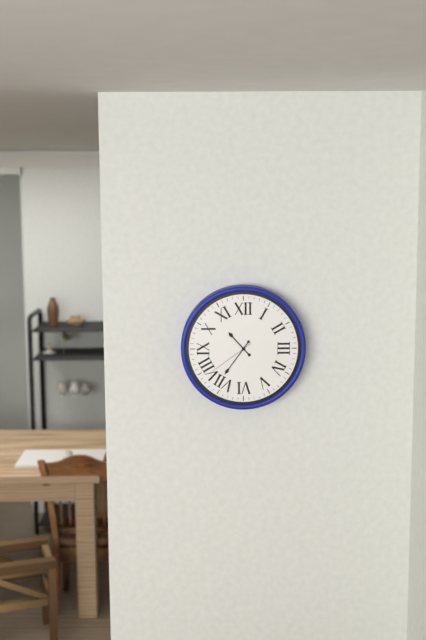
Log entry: 10:36
